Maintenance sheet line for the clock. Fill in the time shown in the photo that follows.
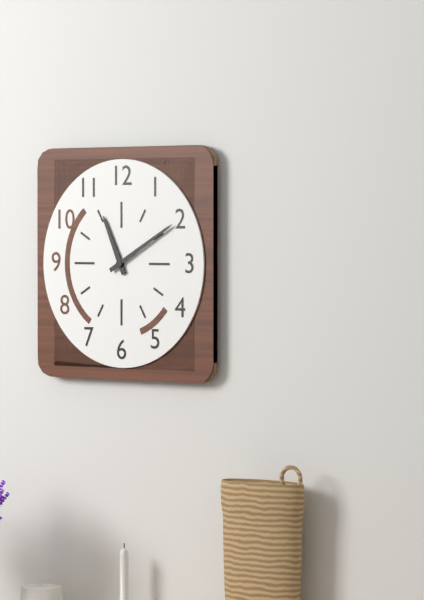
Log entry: 11:10
